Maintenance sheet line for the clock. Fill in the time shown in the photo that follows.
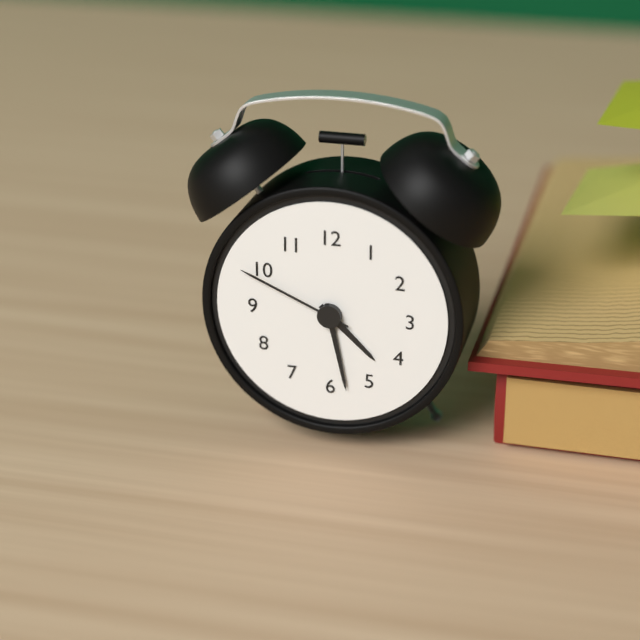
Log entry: 4:28:49
